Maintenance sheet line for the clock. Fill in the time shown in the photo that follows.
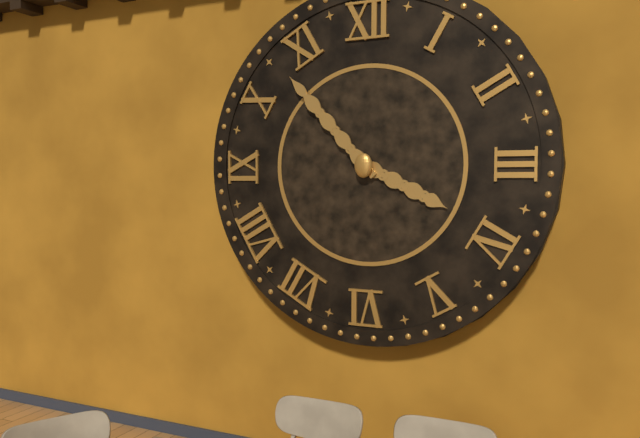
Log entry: 3:53
